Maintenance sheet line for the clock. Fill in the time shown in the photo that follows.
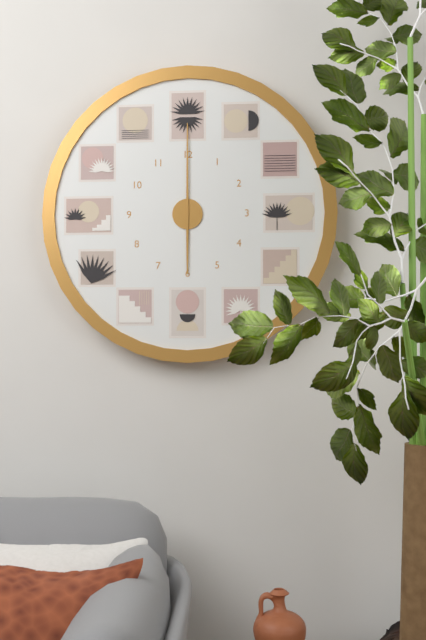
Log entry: 6:00
